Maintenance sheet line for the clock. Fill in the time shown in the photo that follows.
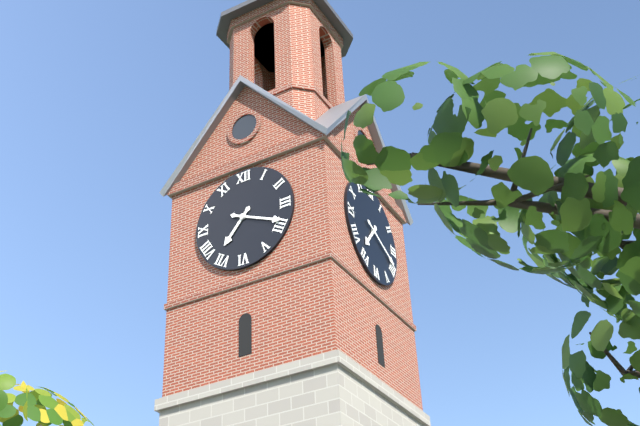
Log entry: 7:19
